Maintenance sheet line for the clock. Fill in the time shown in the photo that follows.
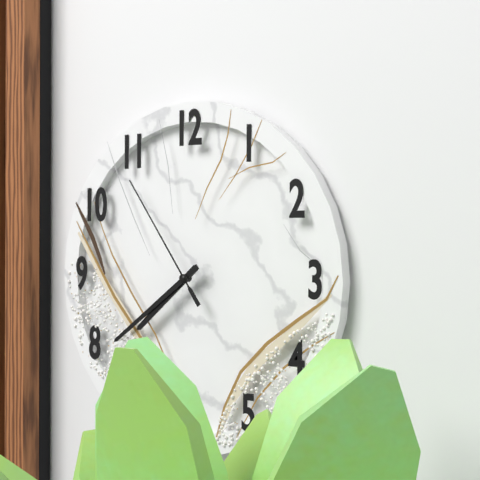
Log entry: 7:39:54
